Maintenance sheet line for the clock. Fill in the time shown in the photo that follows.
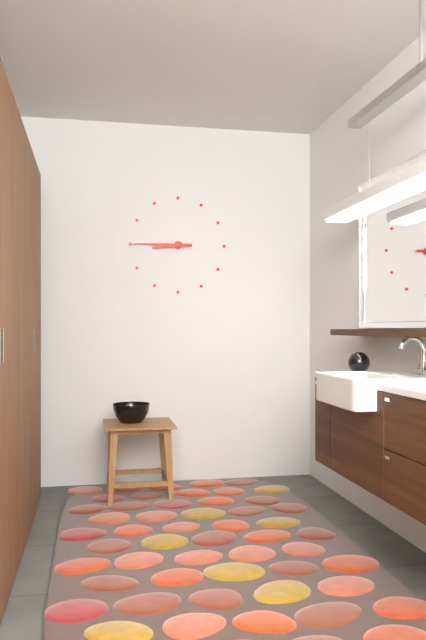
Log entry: 8:45
